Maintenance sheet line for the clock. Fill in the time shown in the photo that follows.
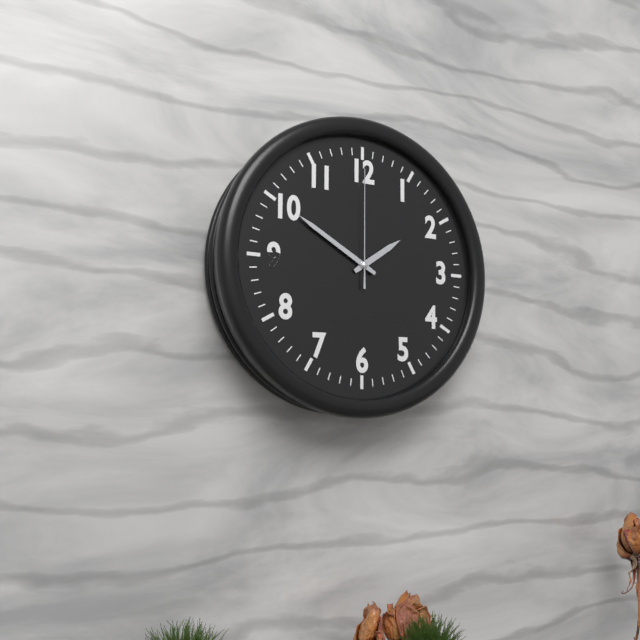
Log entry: 1:50:00
